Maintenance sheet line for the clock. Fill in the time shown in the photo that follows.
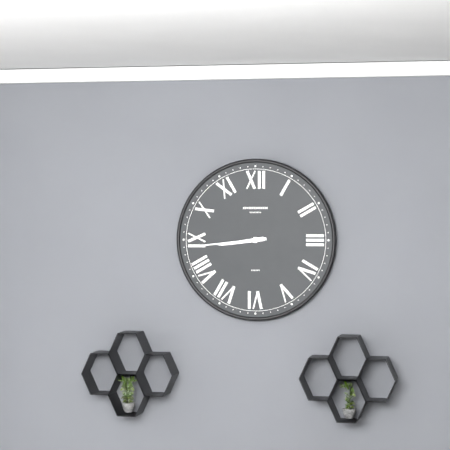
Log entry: 8:44
